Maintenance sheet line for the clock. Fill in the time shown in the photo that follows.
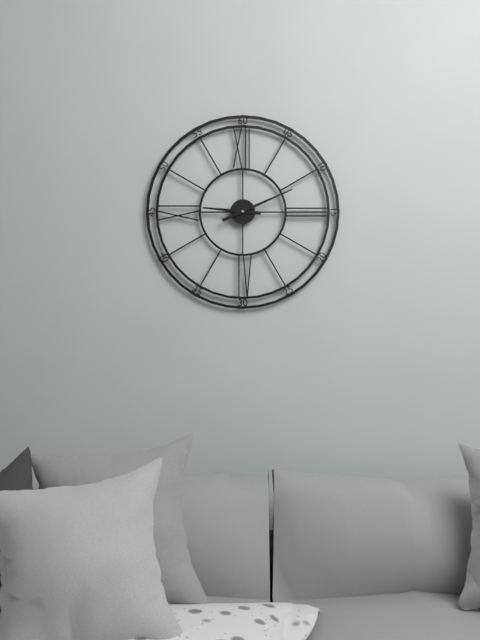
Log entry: 9:11
